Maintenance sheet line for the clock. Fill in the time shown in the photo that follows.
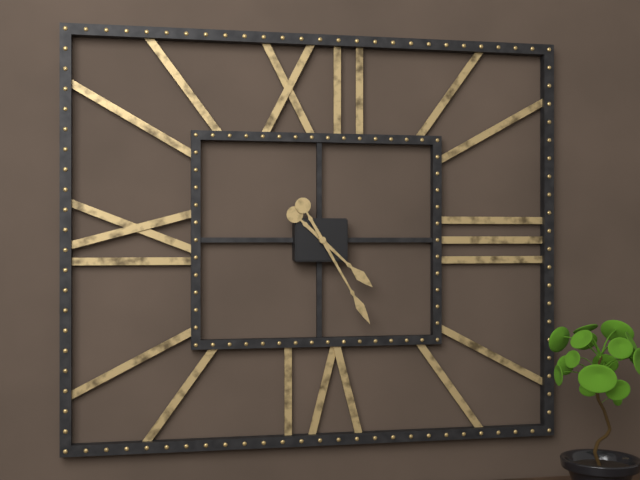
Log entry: 4:25
